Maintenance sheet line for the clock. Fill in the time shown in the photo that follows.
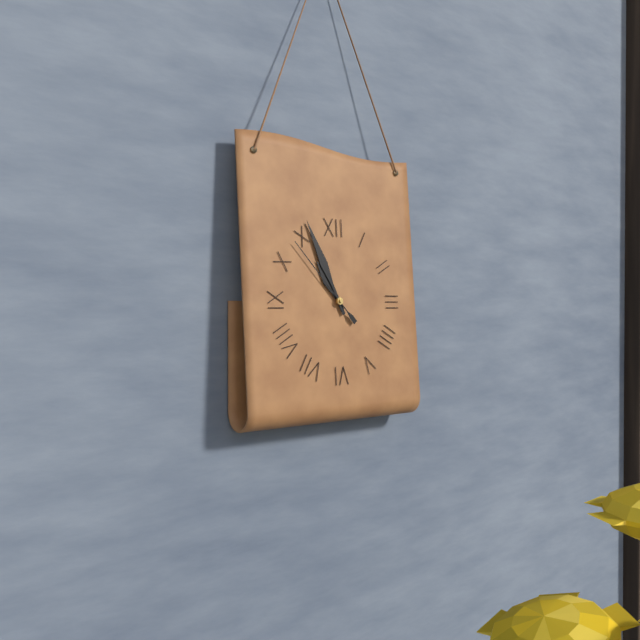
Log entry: 10:56:53
